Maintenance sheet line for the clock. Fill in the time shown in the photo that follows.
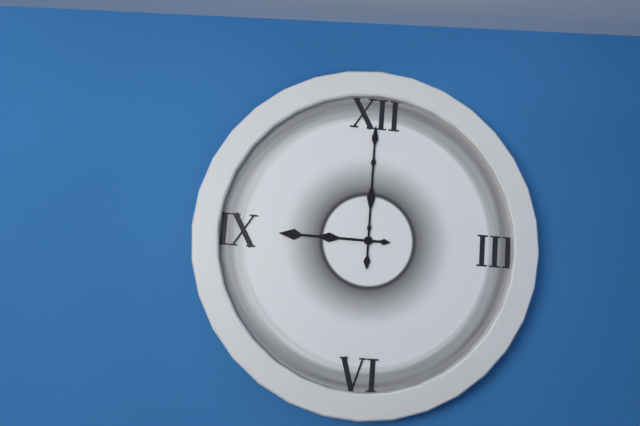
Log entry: 9:00
